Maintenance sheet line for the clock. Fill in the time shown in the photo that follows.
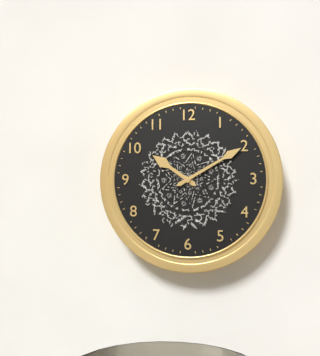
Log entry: 10:10
